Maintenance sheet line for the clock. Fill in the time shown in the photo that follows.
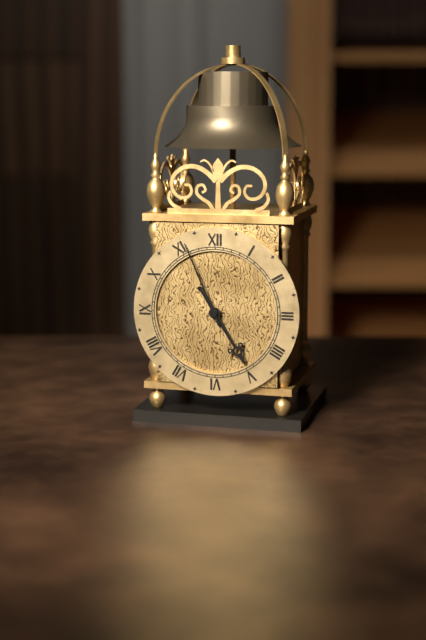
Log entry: 4:56
